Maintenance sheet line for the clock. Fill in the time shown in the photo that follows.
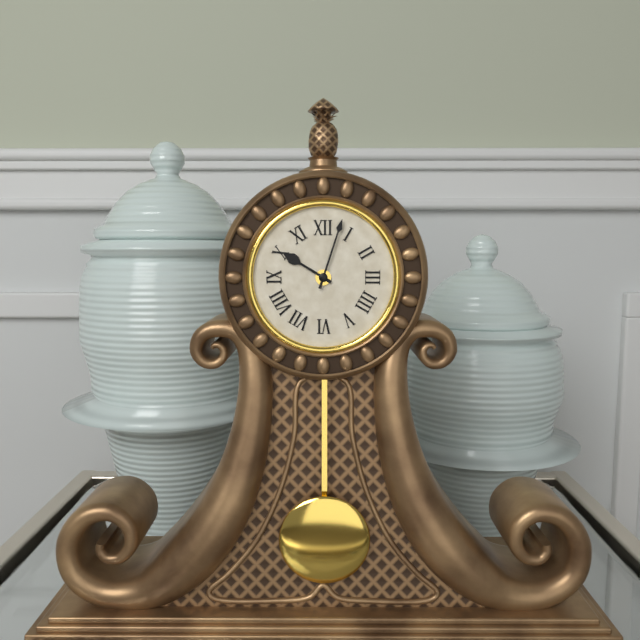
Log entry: 10:03
